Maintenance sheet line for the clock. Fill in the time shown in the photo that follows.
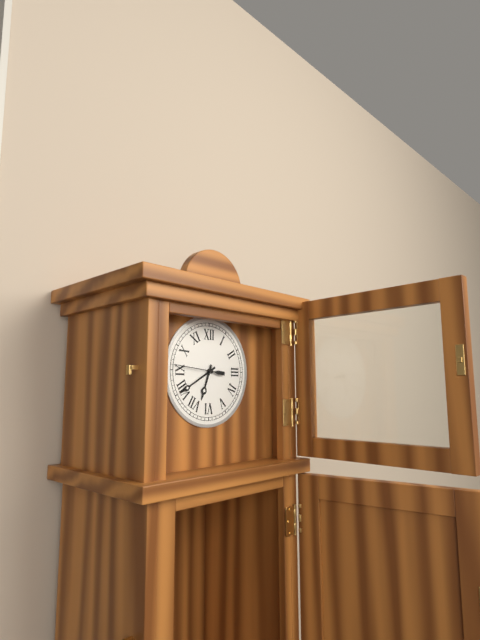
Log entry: 6:40
